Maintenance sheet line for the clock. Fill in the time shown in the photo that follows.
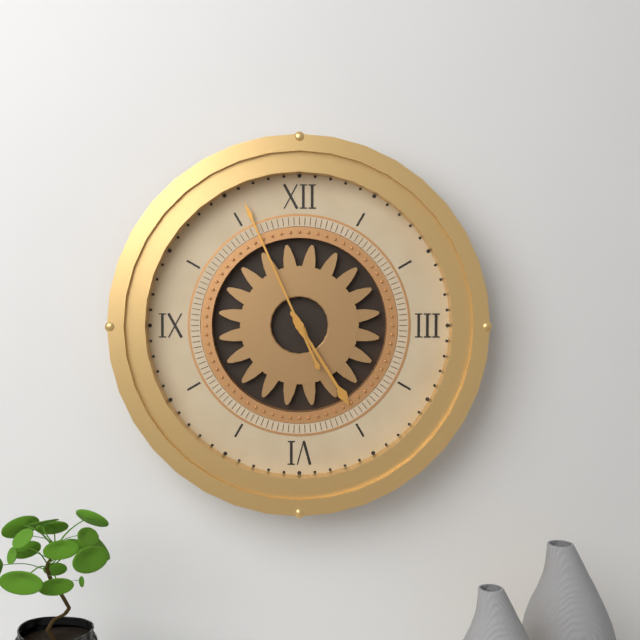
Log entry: 4:56
